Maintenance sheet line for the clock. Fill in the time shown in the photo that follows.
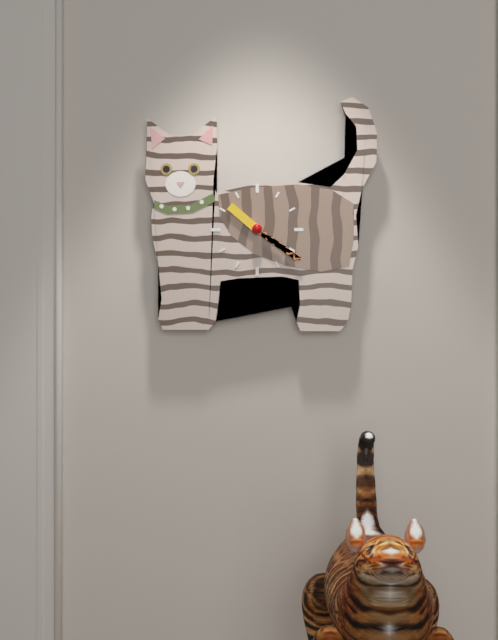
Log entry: 10:21
